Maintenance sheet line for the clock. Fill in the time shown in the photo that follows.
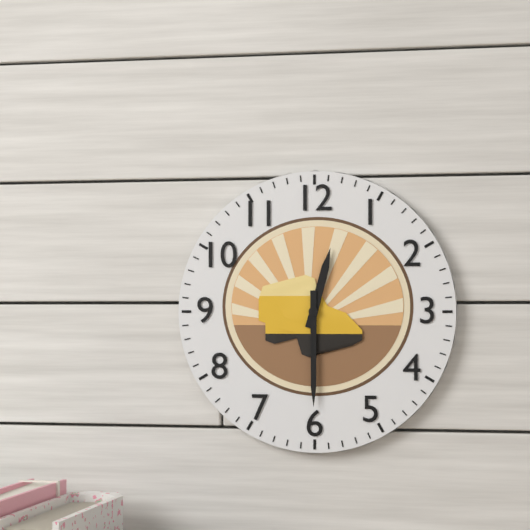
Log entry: 12:30
